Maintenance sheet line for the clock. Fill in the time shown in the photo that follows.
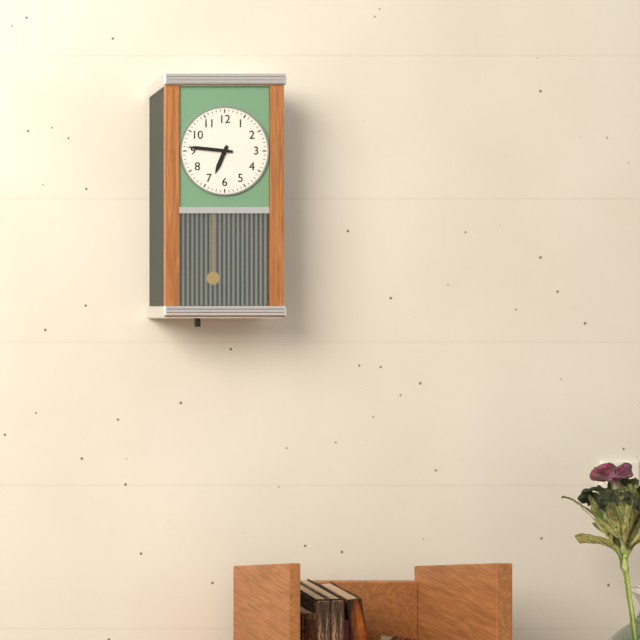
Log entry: 6:46
